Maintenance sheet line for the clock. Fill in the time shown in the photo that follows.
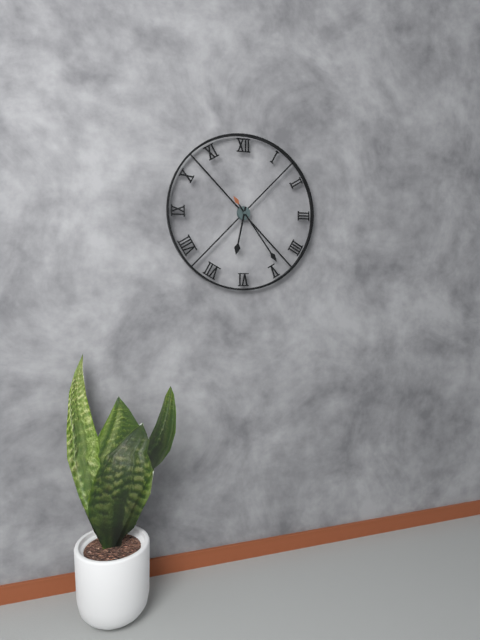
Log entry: 6:24
